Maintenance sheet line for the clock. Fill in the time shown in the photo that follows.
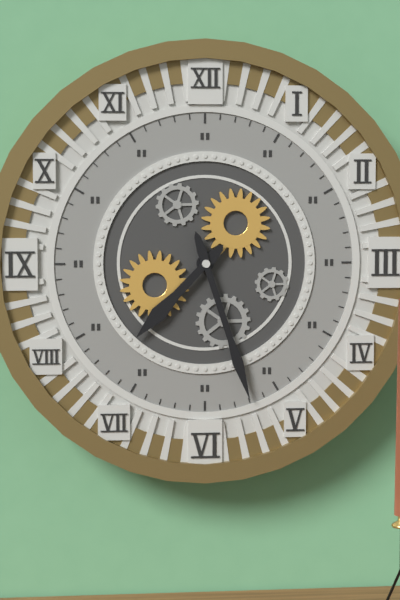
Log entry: 7:27
